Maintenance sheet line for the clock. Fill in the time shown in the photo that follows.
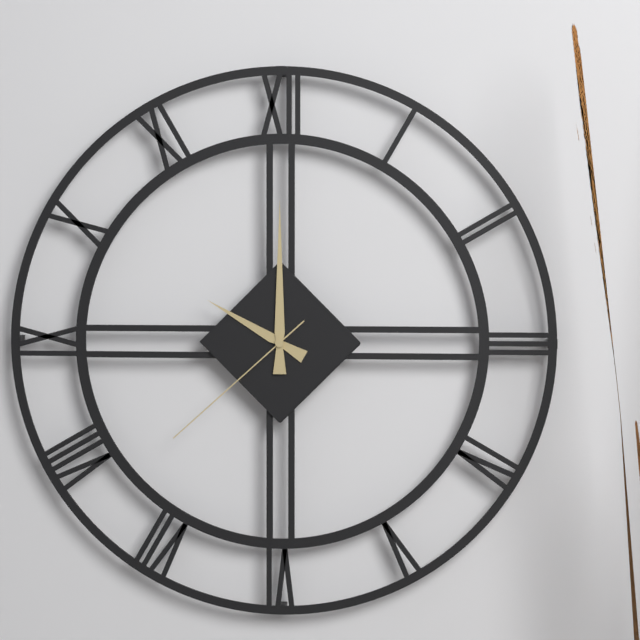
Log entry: 10:00:38
